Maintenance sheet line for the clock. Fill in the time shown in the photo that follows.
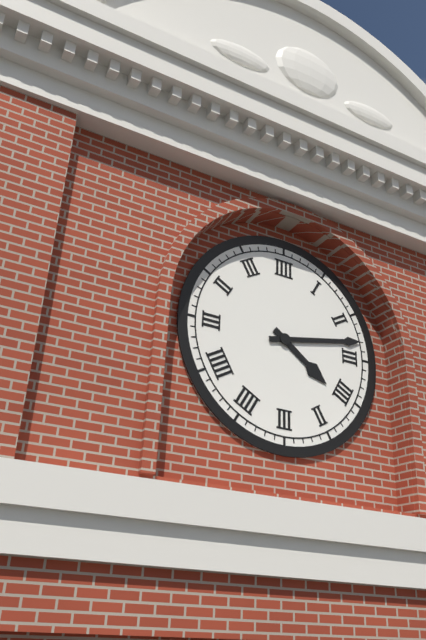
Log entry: 4:13
